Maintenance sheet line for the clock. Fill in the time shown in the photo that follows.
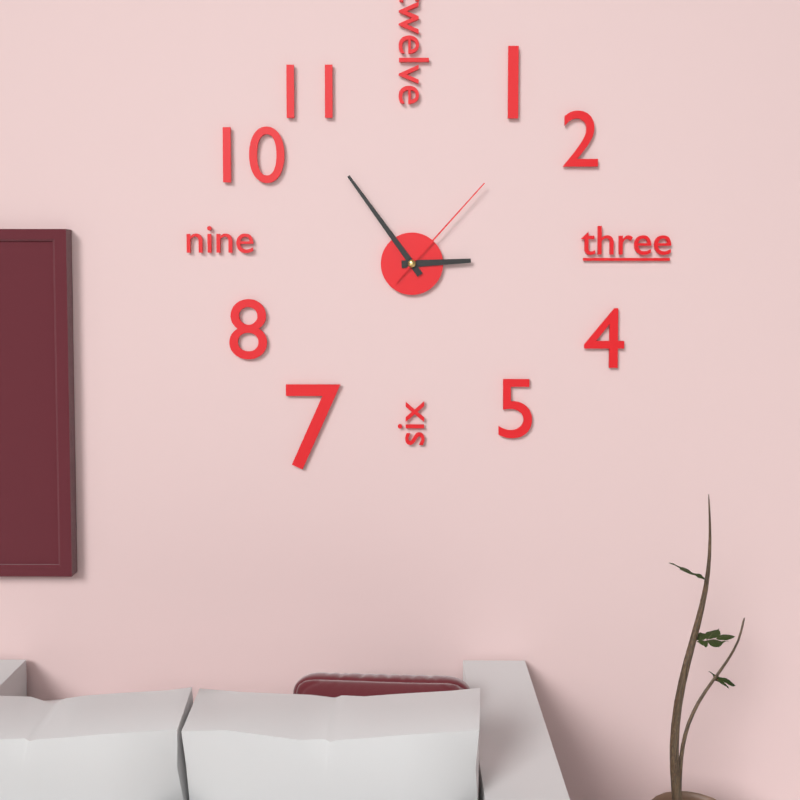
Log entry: 2:54:07
